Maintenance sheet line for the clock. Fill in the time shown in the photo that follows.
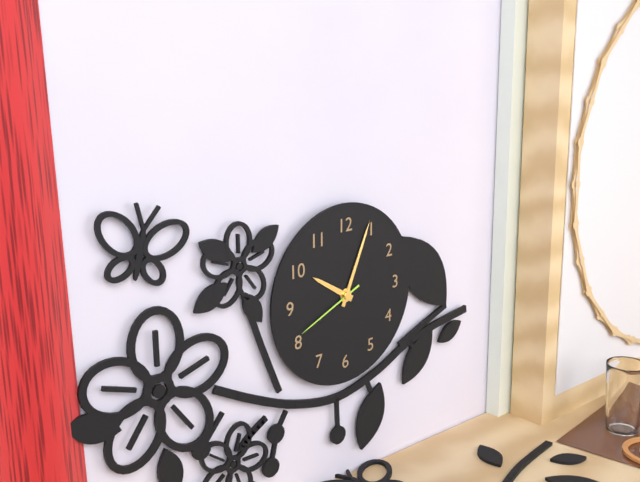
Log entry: 10:04:41
